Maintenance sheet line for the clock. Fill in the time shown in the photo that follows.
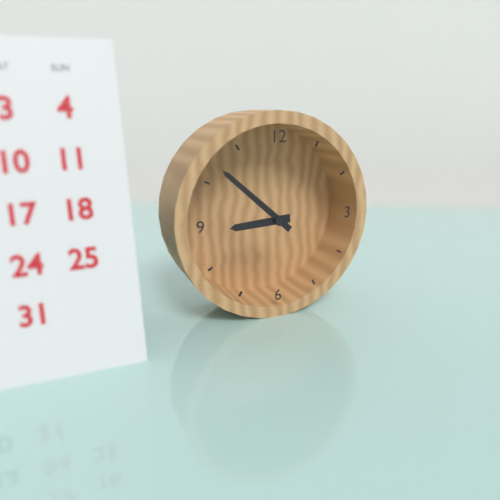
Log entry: 8:52
